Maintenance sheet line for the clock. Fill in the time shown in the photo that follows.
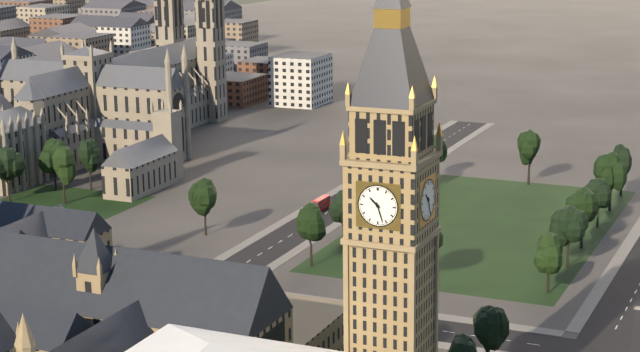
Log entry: 10:27
